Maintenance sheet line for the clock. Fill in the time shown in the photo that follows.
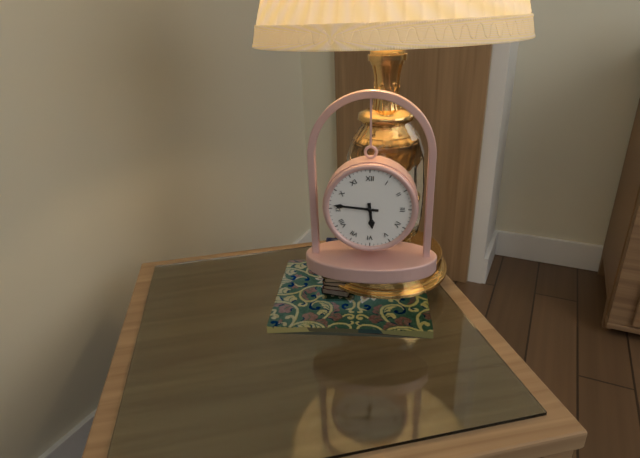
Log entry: 5:46
